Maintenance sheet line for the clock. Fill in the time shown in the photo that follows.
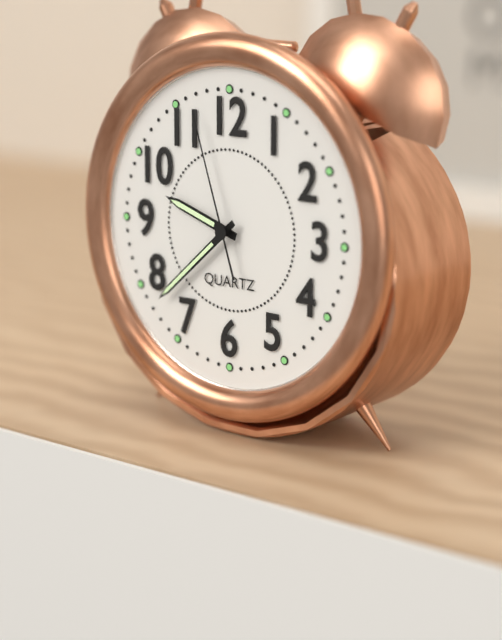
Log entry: 9:38:57
